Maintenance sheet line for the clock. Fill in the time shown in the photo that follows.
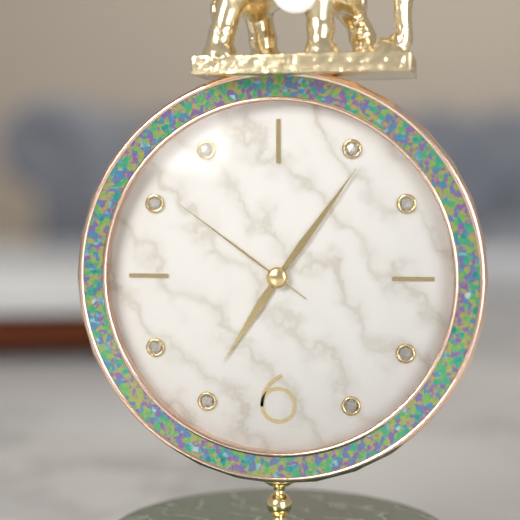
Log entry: 7:06:51
